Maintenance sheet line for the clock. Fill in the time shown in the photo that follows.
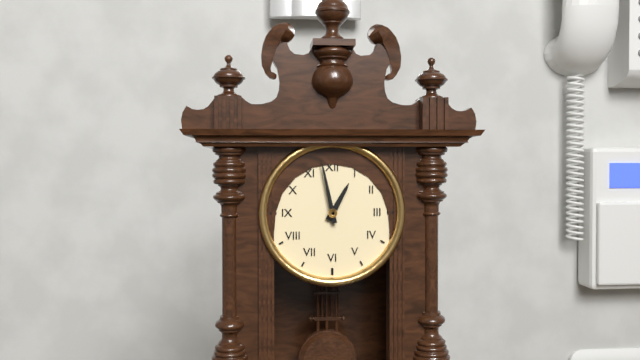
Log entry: 12:58
